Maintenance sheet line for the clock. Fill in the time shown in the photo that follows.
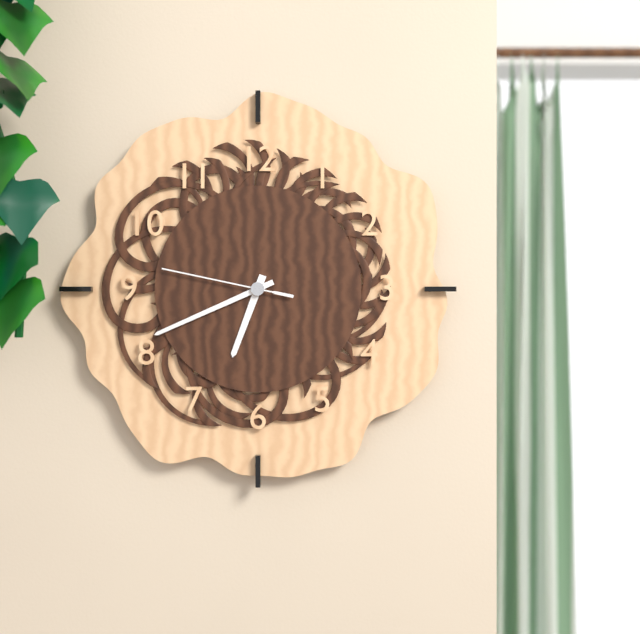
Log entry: 6:41:47
